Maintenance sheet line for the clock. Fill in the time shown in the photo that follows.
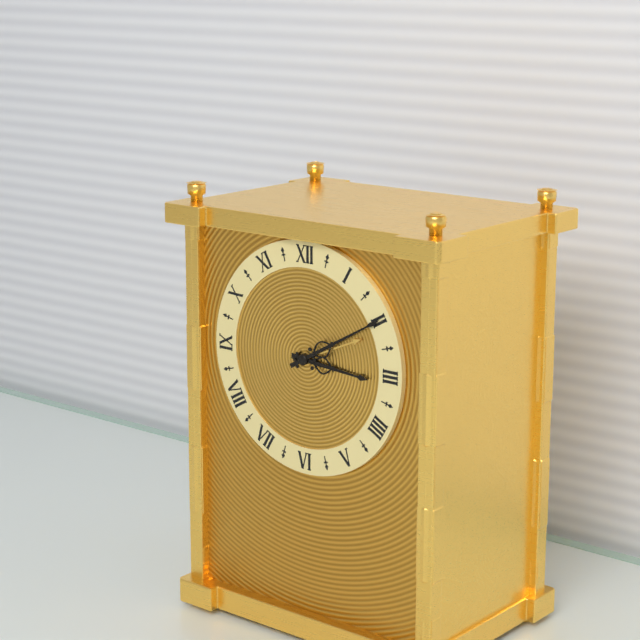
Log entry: 3:10
